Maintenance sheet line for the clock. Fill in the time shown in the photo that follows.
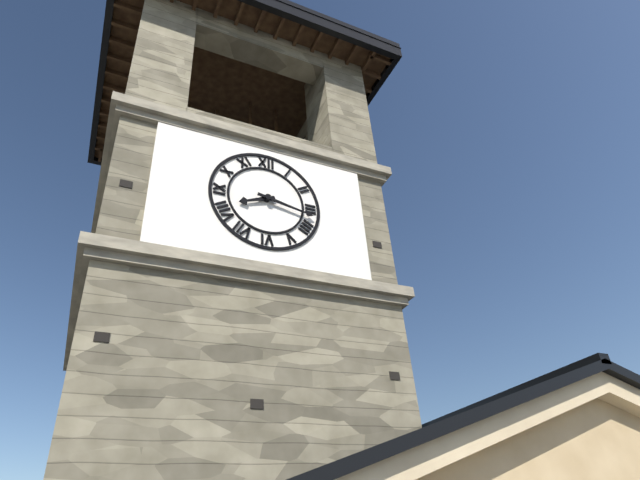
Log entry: 8:17
